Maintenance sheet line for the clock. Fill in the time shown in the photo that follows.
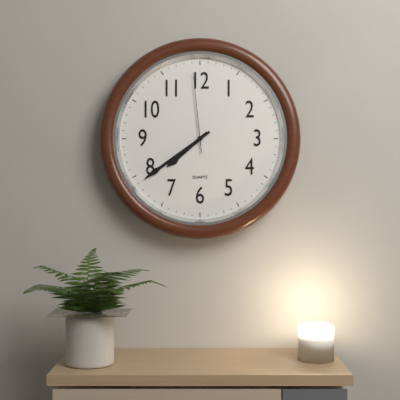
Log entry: 7:39:59
